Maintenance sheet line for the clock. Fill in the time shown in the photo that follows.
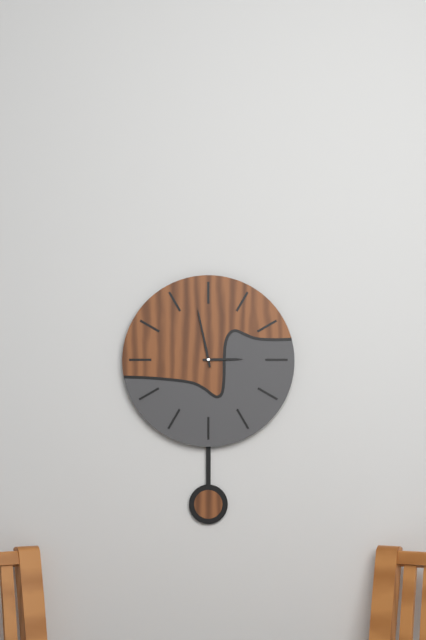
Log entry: 2:58
